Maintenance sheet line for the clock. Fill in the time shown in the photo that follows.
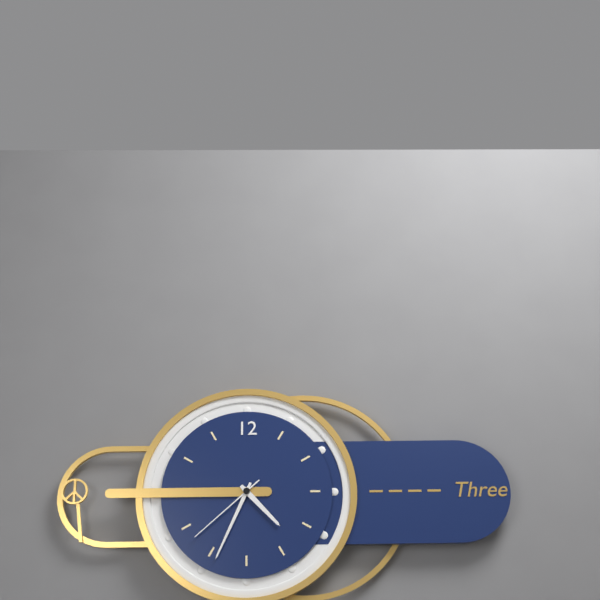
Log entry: 4:34:38
